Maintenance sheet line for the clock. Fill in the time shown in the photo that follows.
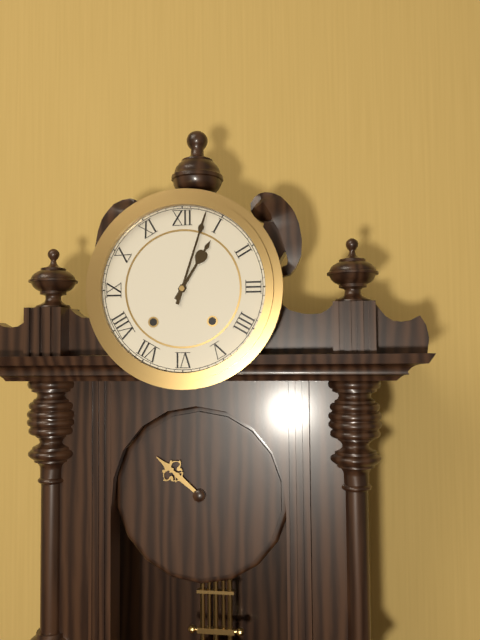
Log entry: 1:03
